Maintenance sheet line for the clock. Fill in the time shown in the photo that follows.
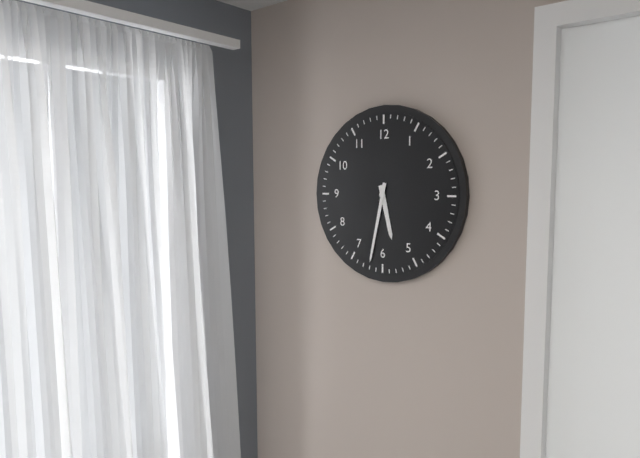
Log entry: 5:32
